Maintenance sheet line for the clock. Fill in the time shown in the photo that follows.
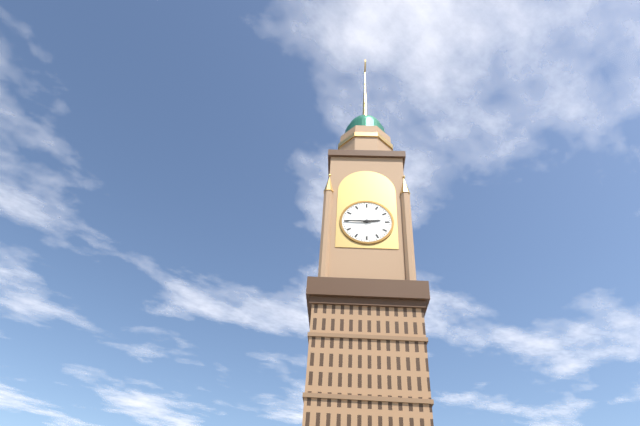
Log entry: 2:45
